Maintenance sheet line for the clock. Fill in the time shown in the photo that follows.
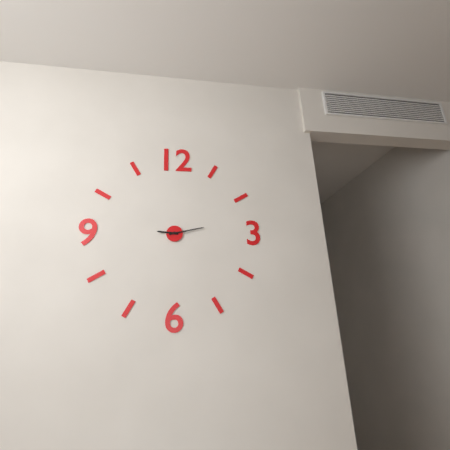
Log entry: 9:13
